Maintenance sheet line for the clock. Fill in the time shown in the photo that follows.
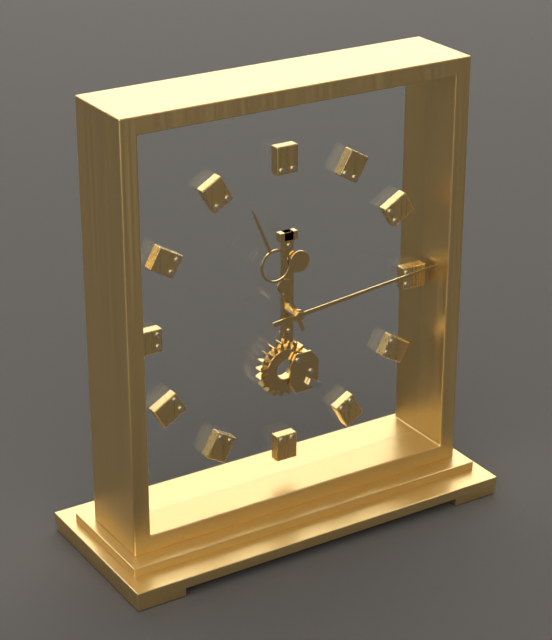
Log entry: 11:14
